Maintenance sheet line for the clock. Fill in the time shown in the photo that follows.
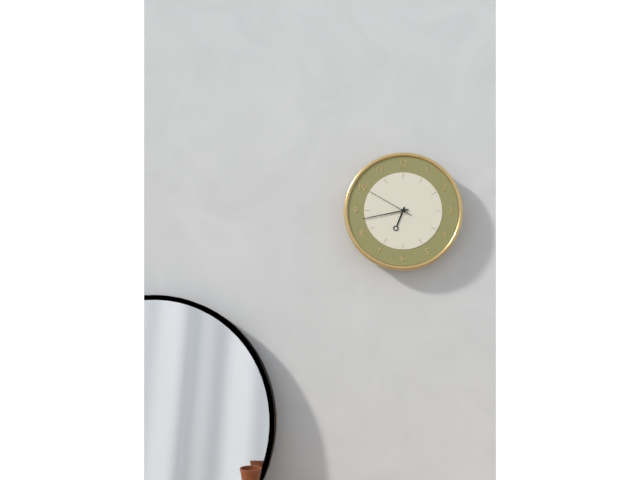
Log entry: 6:43
